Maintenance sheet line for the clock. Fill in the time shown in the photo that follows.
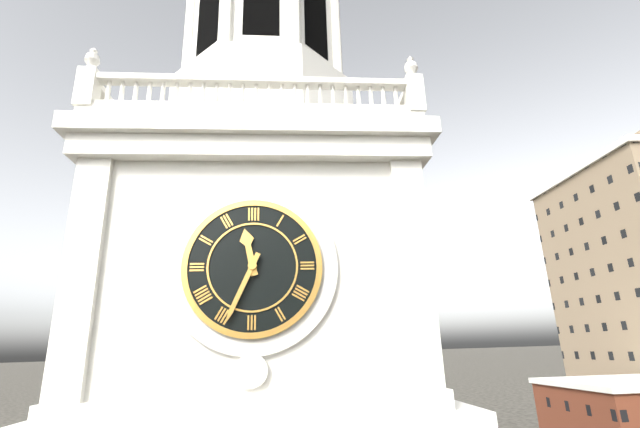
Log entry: 11:34
